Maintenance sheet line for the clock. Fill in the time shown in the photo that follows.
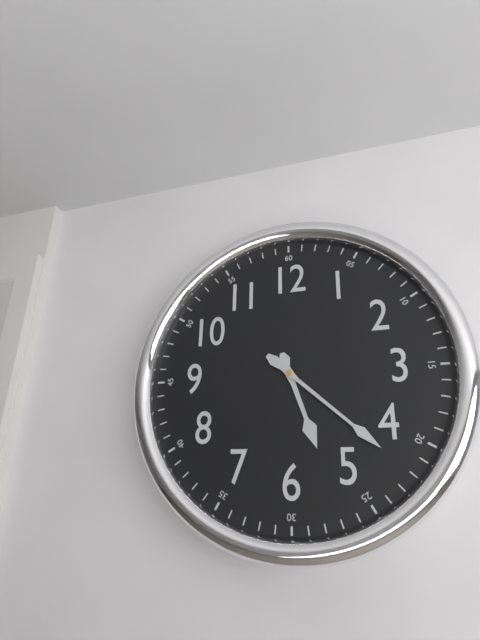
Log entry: 5:22
